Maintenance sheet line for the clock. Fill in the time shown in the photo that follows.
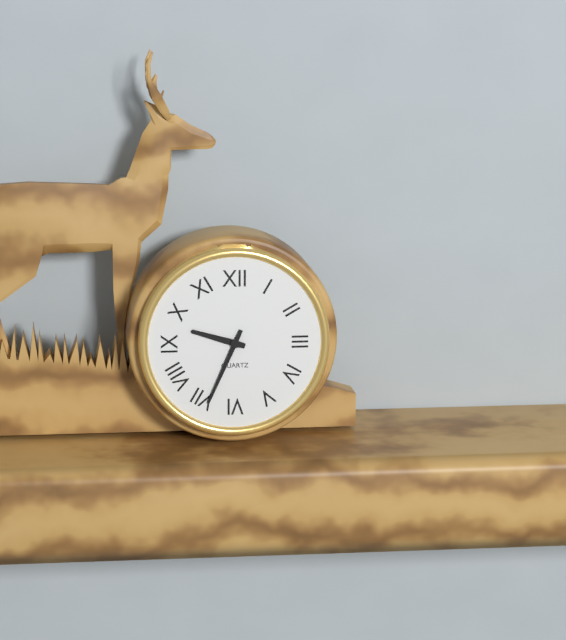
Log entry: 9:34
